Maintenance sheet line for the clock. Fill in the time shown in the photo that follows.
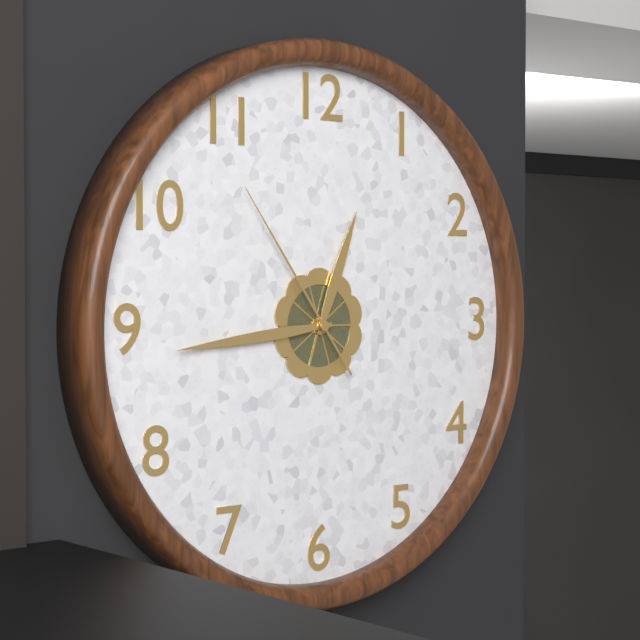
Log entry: 12:44:54
